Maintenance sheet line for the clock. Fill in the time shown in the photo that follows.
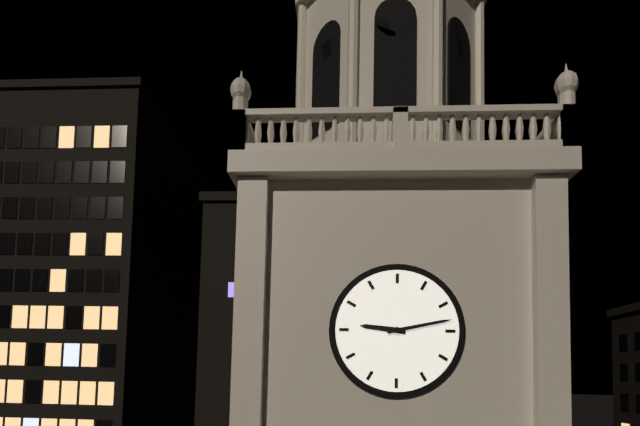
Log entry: 9:13
